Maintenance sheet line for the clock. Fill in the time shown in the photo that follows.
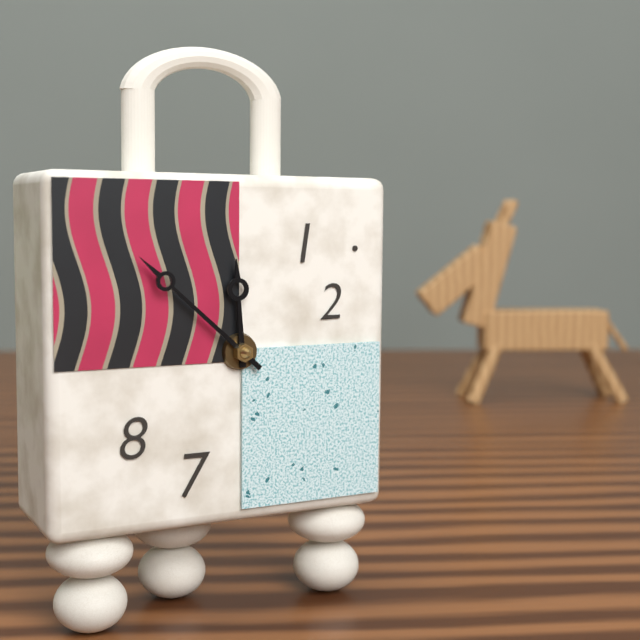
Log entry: 11:52
